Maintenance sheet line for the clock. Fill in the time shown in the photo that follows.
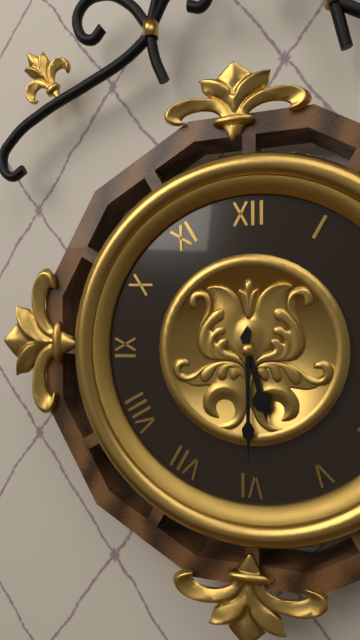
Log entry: 5:30
